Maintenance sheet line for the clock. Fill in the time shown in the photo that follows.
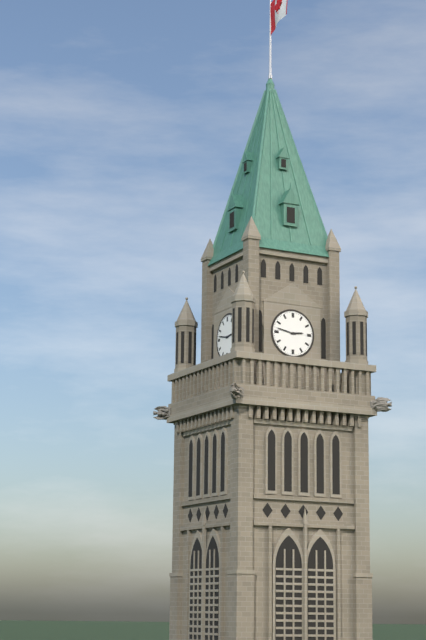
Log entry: 2:47
